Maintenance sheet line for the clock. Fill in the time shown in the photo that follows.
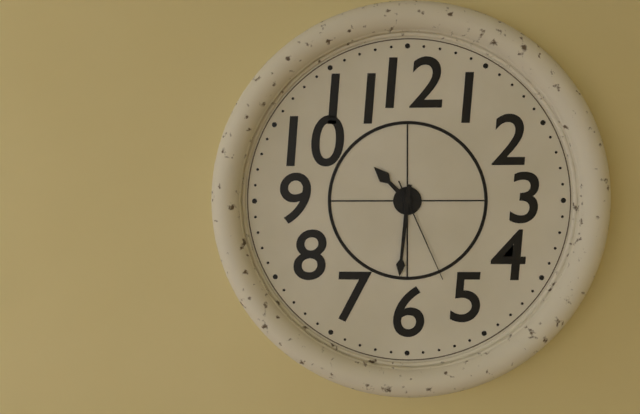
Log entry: 10:31:26
